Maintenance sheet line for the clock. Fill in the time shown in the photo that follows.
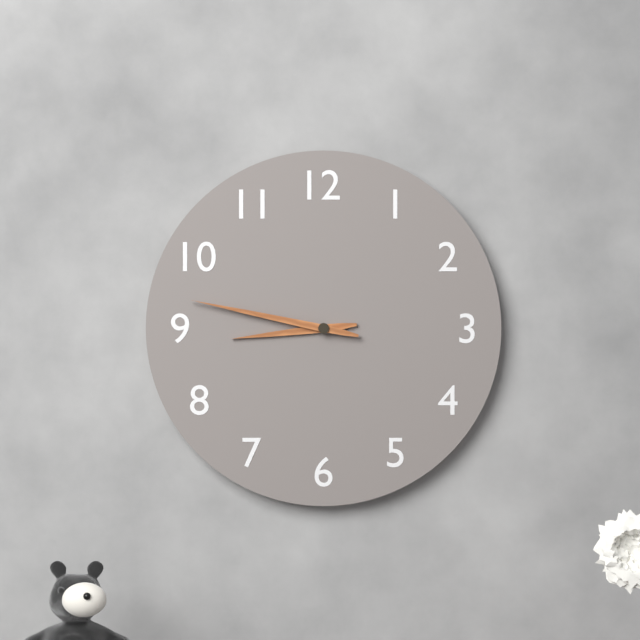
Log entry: 8:47
